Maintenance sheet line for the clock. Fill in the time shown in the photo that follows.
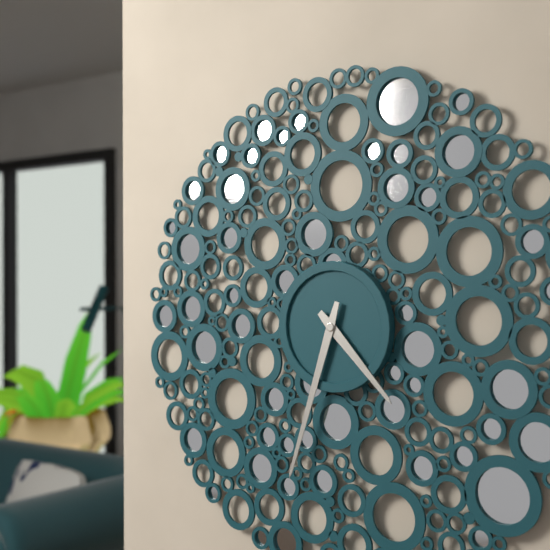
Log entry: 4:33
